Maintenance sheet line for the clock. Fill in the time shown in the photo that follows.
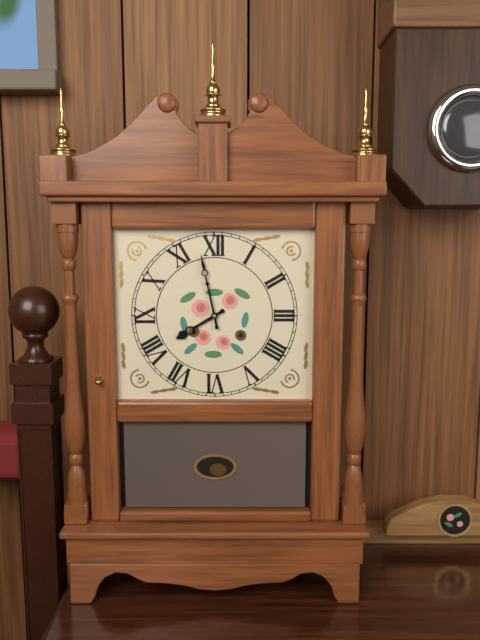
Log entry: 7:58
